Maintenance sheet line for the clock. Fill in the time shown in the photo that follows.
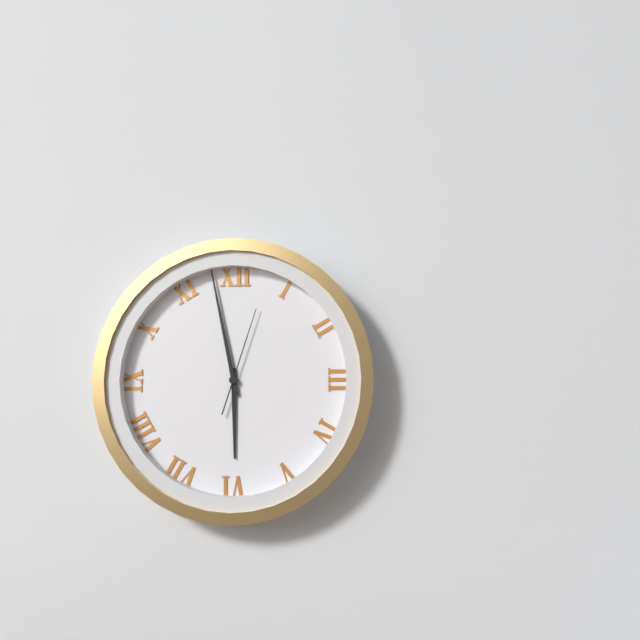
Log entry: 5:58:03
